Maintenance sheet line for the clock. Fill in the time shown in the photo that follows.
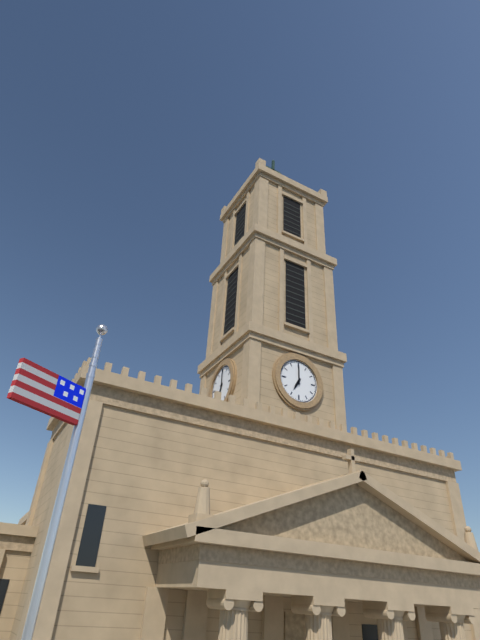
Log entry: 7:00
